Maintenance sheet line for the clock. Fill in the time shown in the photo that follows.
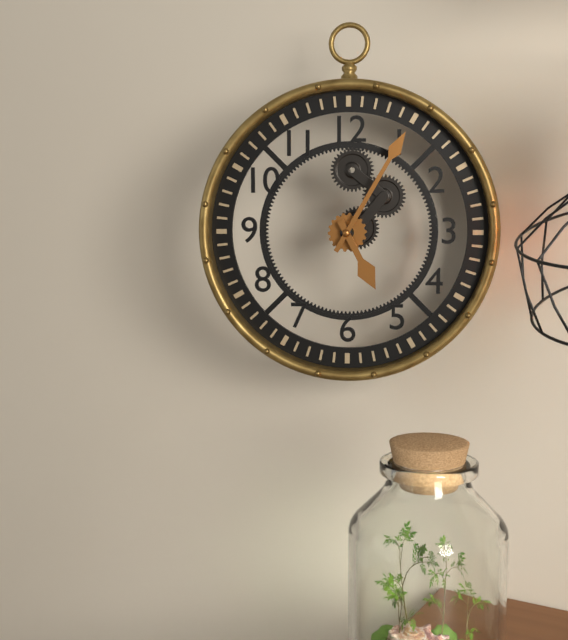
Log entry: 5:05
